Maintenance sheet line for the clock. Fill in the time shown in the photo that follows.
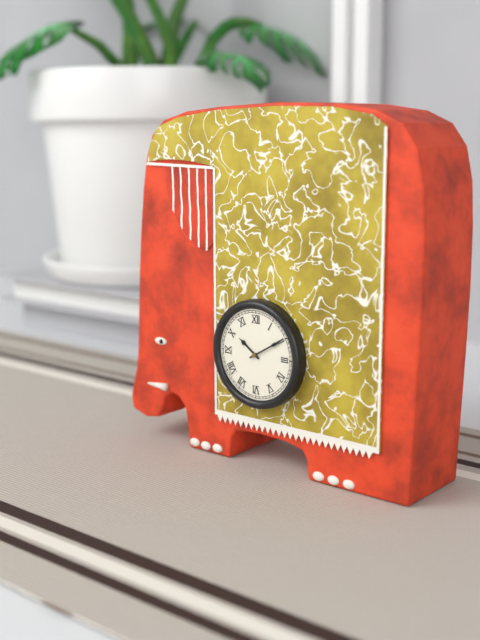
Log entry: 10:10
